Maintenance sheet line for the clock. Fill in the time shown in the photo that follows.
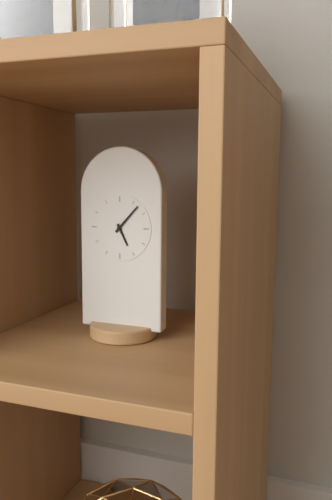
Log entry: 5:07
